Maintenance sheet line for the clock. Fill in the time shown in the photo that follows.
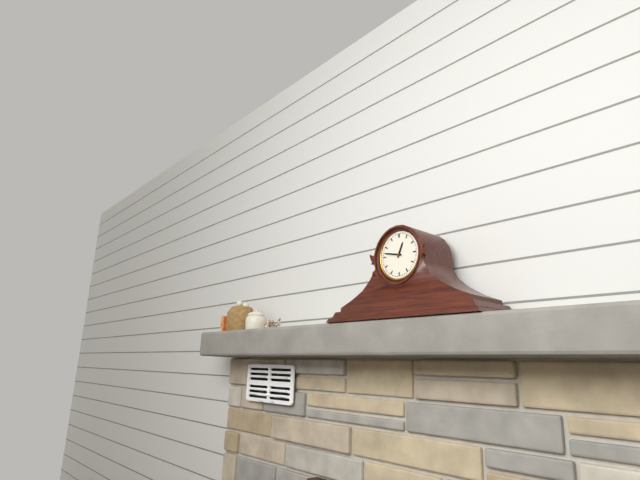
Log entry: 12:47
